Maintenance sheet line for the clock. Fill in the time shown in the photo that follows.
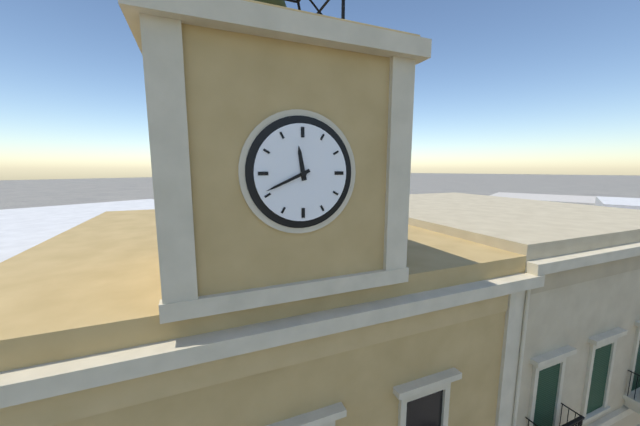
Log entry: 11:41
